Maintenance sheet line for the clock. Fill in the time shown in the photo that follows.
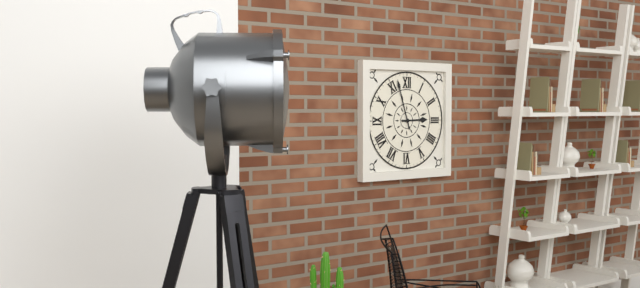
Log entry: 2:57
